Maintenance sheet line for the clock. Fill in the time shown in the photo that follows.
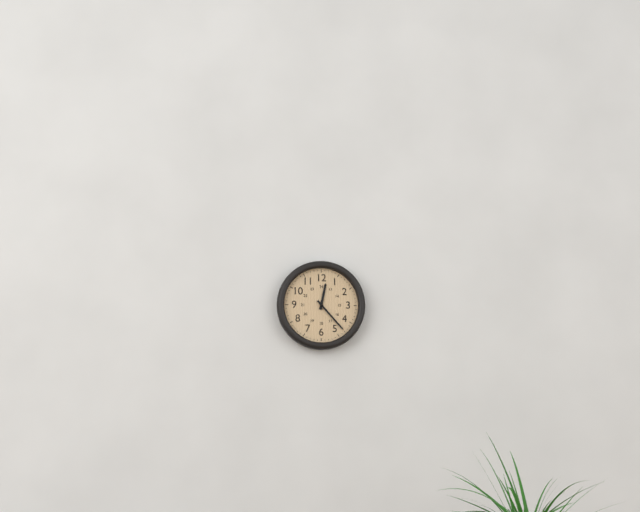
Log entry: 12:23
